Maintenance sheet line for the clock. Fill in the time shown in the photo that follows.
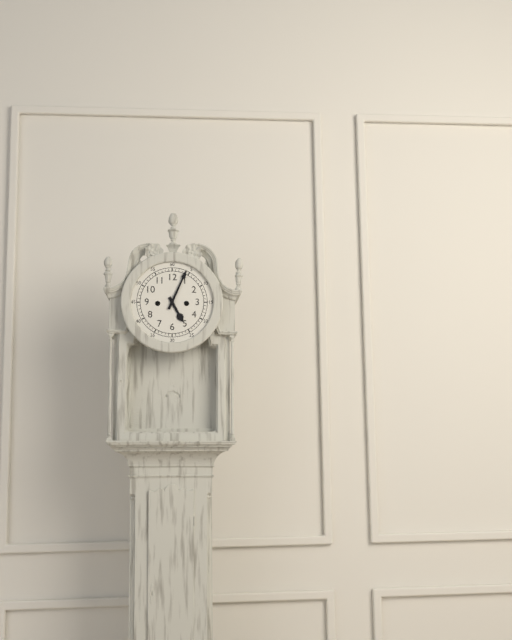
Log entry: 5:04
